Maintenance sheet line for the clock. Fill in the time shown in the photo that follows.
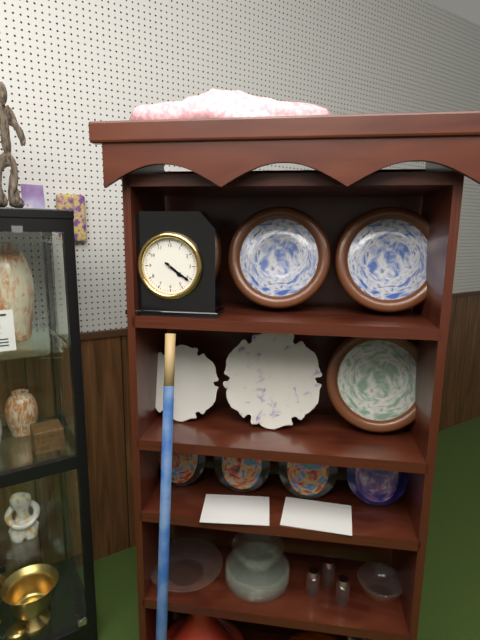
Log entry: 4:21
